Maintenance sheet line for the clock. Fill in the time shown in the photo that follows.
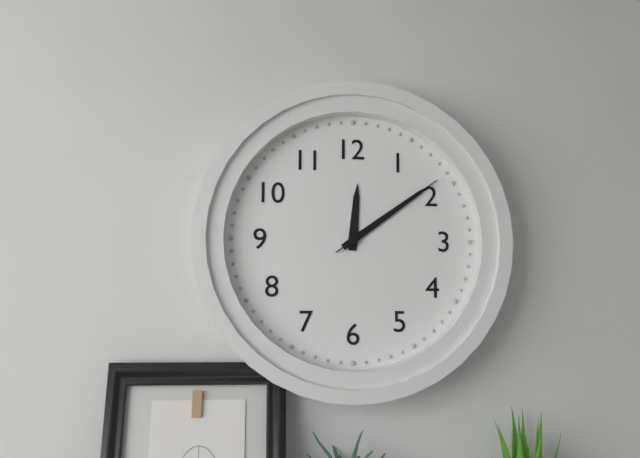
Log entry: 12:09:09
